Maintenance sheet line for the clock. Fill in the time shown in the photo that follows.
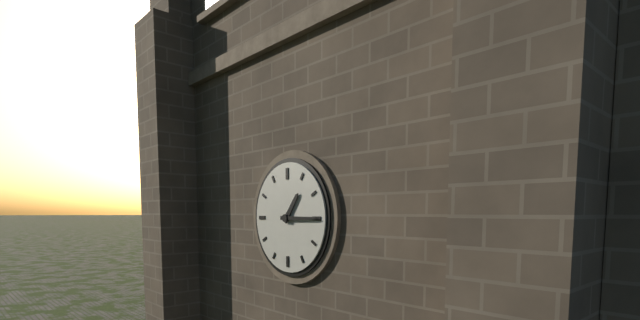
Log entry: 1:15
